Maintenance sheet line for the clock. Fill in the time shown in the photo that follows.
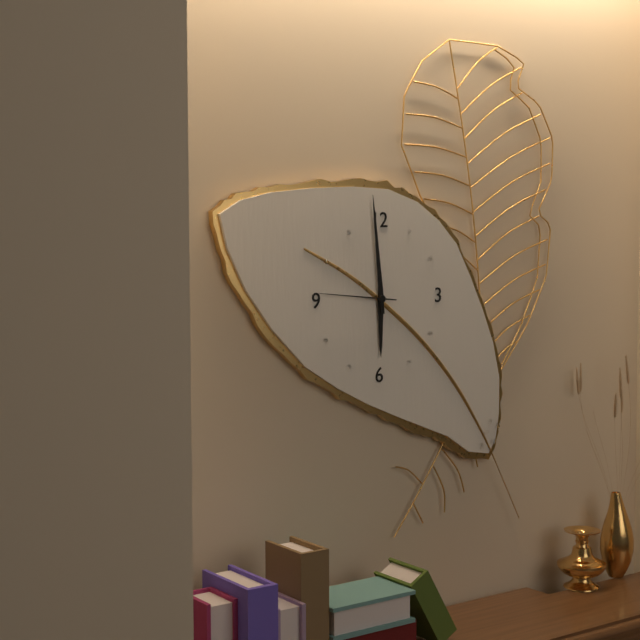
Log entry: 5:59:46
